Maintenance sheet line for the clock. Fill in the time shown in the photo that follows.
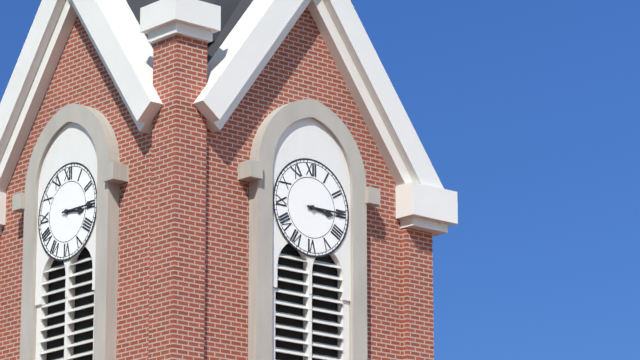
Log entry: 3:15
